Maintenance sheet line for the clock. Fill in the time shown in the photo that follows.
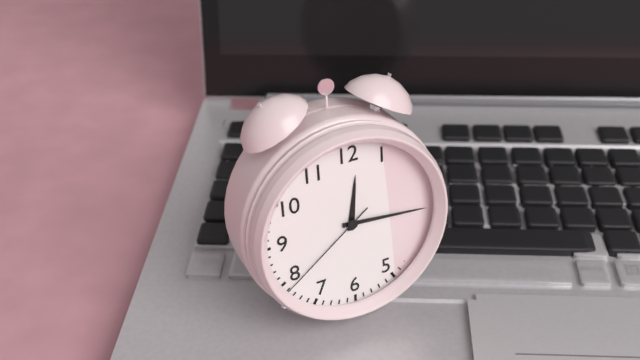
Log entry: 12:16:39
